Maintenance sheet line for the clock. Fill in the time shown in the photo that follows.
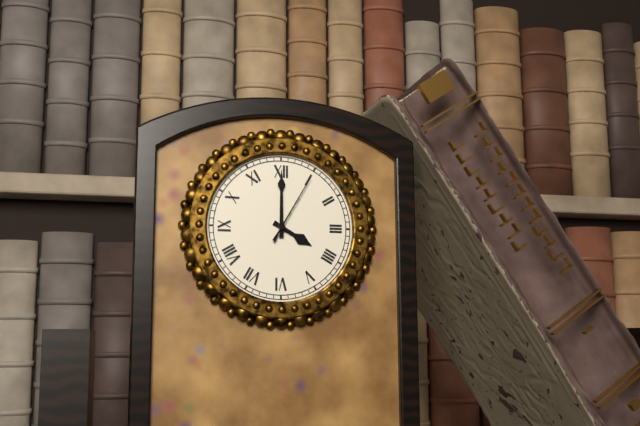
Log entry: 4:00:05
